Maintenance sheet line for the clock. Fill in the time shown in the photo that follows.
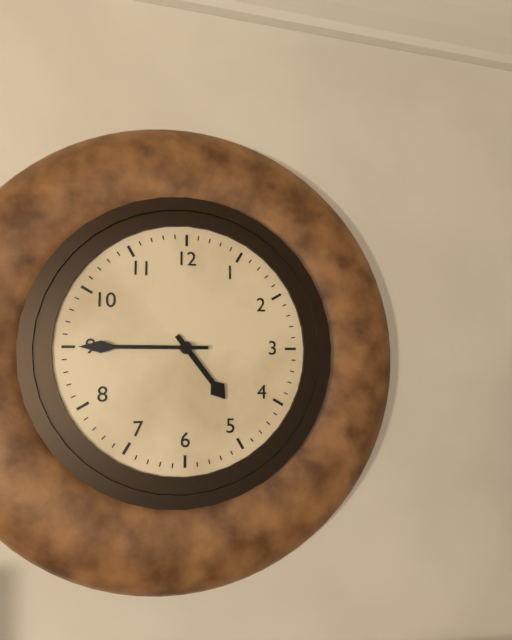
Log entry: 4:45
